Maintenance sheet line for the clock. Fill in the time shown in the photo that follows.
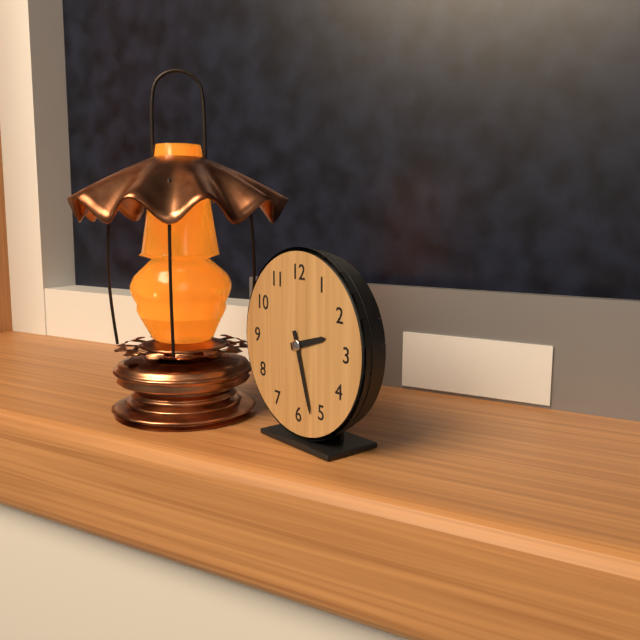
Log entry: 2:27
